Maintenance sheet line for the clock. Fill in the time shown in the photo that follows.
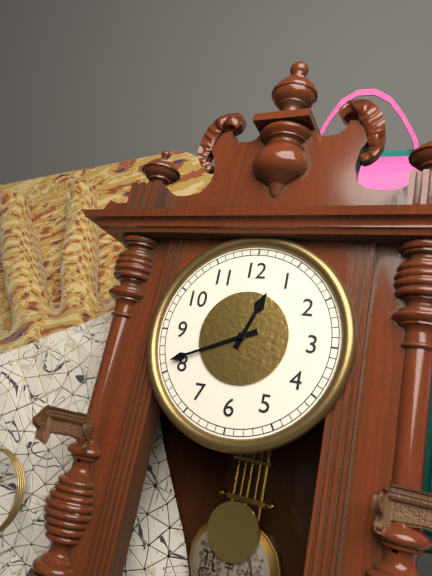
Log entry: 12:41
